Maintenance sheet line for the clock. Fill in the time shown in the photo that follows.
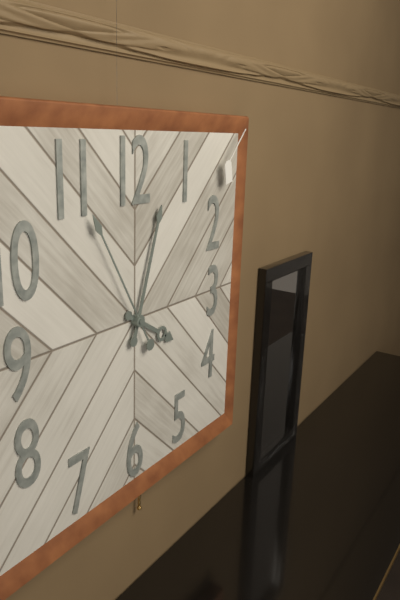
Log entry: 4:03:55
